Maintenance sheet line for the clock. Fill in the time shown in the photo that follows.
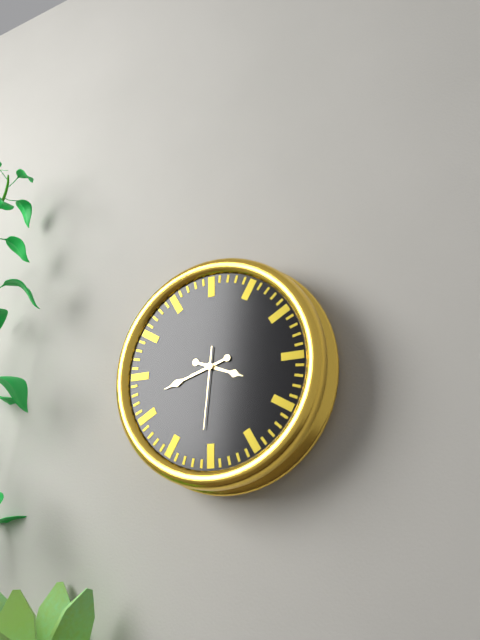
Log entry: 3:42:31
